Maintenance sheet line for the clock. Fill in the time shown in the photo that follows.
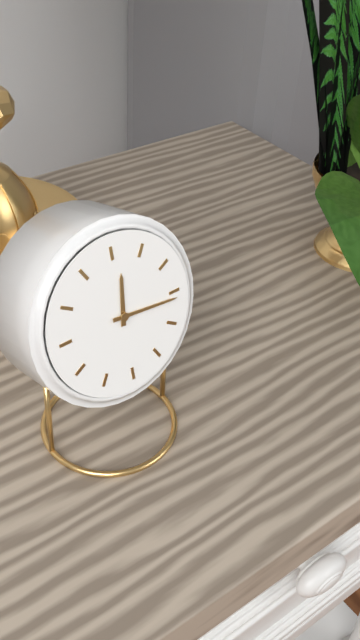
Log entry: 12:16
